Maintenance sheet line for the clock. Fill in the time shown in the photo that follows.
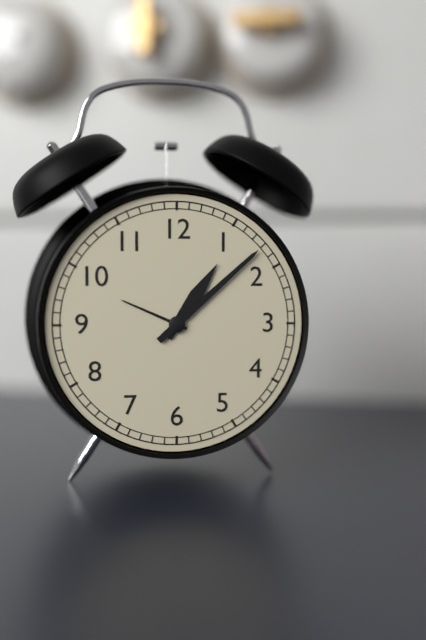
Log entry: 1:08
